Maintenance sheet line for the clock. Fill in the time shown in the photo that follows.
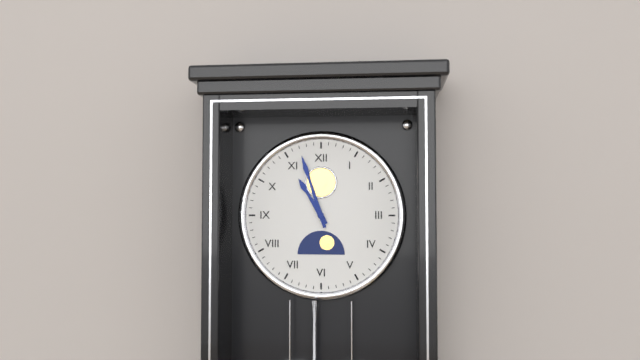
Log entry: 10:57
